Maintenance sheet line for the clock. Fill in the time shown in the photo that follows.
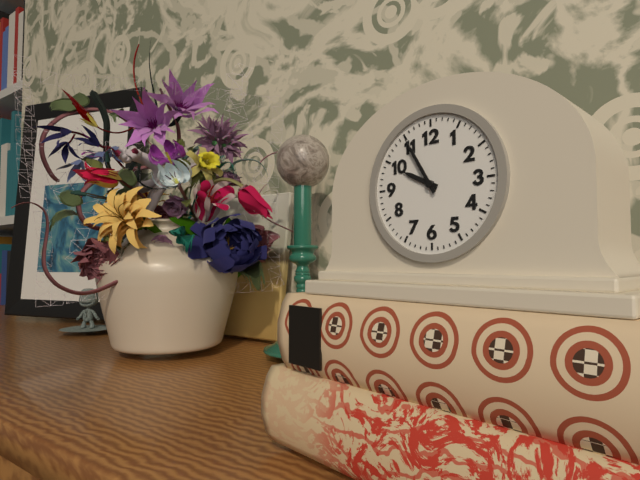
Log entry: 9:55
